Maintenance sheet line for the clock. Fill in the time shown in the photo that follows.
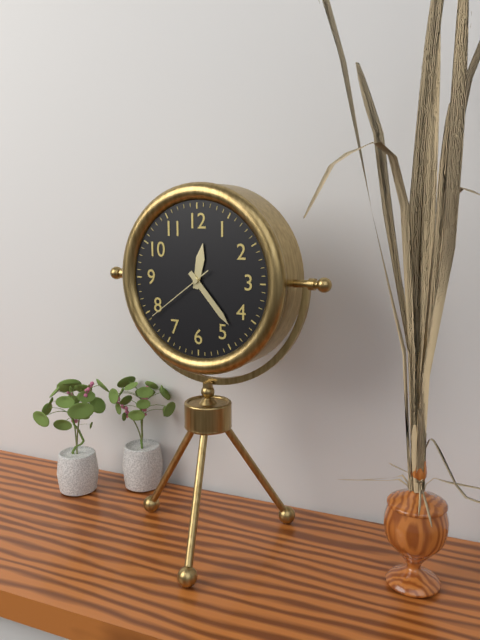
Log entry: 12:23:39
